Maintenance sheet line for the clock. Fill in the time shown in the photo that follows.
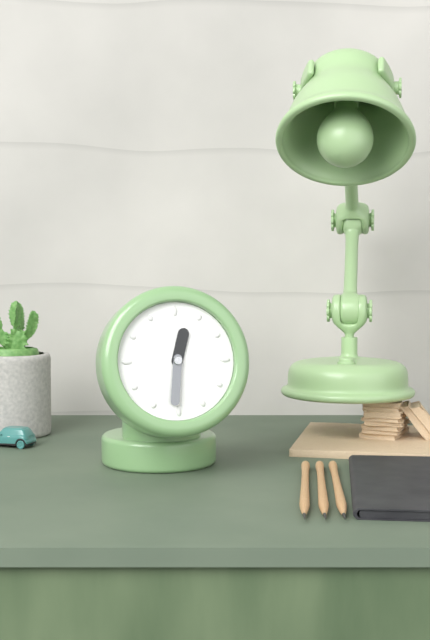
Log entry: 12:31
